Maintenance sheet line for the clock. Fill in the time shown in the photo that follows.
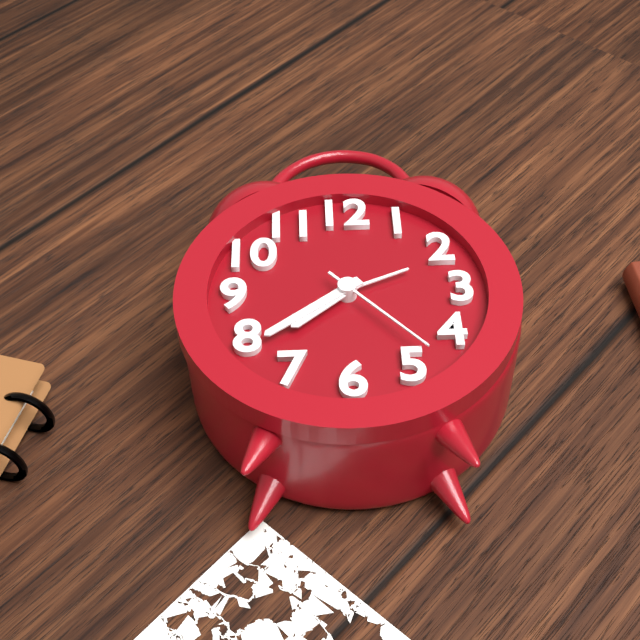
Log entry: 7:39:23
